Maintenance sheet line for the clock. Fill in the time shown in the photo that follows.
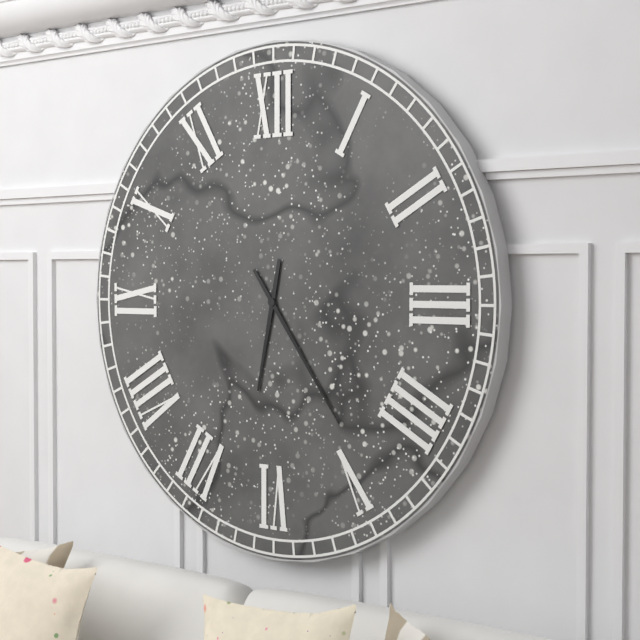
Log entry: 6:24
